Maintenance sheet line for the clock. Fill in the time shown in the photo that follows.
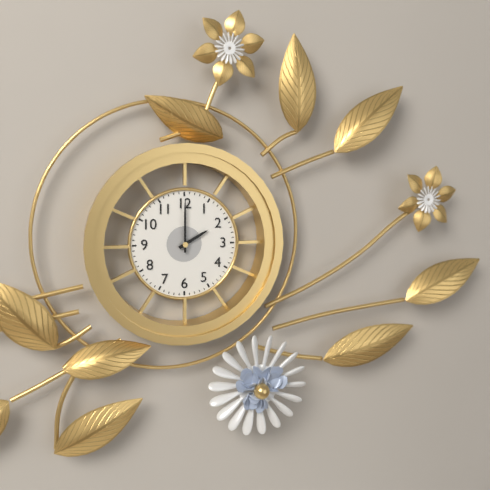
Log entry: 2:00
